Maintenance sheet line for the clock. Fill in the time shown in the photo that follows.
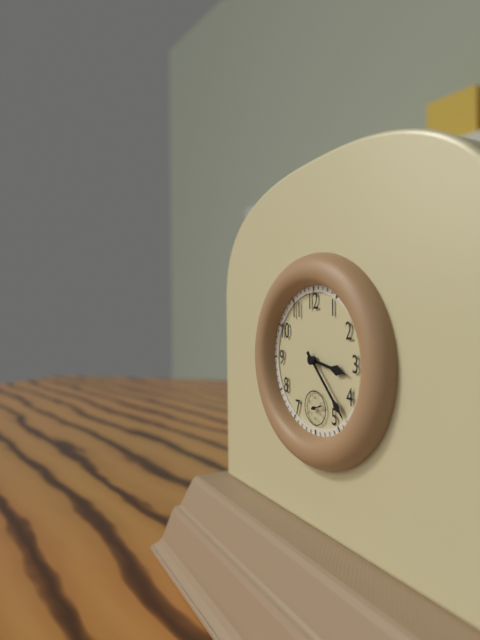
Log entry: 3:23
